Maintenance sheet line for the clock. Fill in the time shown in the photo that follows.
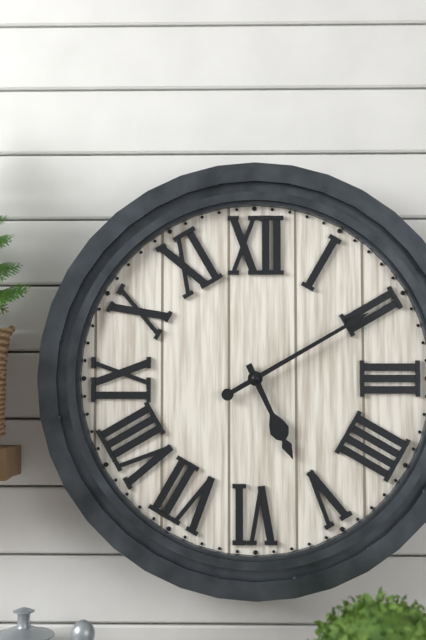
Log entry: 5:10
